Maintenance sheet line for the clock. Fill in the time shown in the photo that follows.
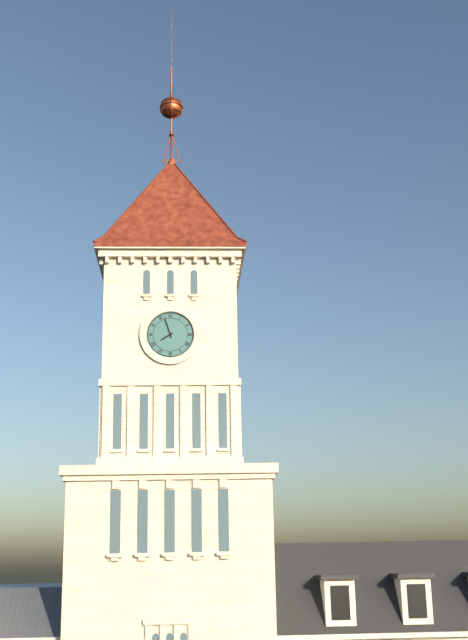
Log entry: 7:57
